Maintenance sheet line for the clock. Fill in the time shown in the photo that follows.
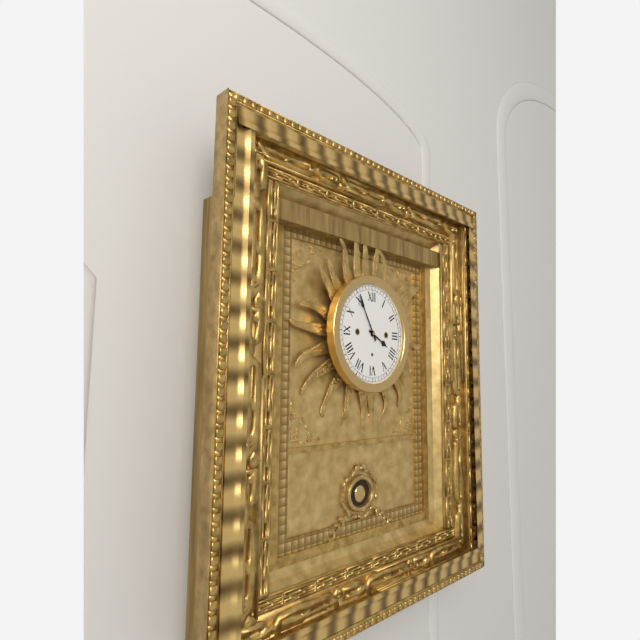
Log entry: 3:55
